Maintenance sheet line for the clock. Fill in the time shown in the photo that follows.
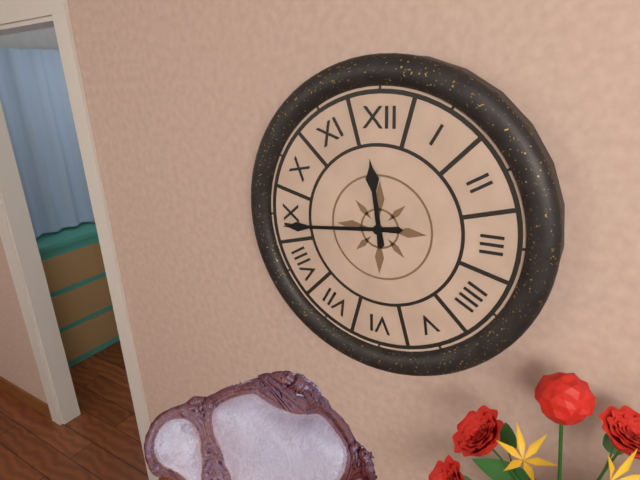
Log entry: 11:44
